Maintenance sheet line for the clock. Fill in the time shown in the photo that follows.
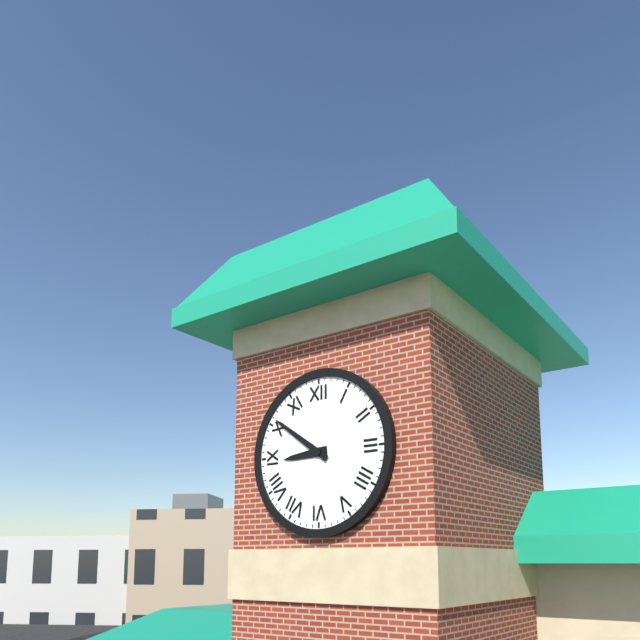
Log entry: 8:51
